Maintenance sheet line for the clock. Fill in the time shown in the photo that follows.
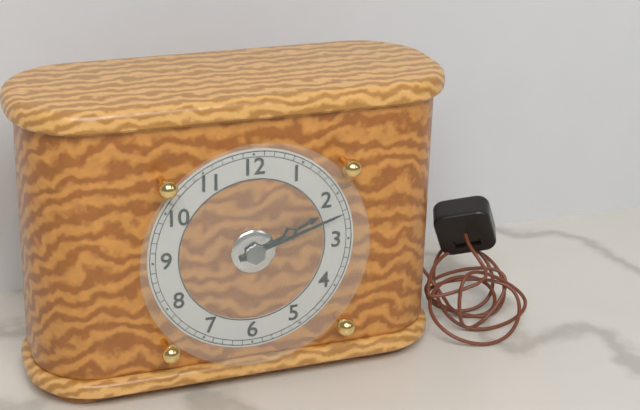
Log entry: 2:12
